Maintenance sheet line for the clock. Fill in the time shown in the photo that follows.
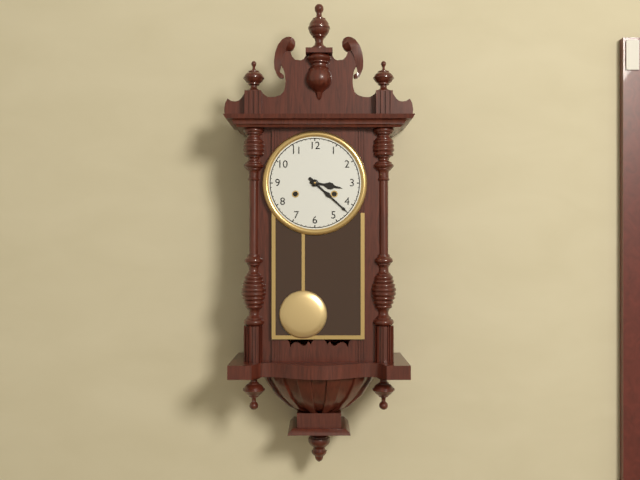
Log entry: 3:22
